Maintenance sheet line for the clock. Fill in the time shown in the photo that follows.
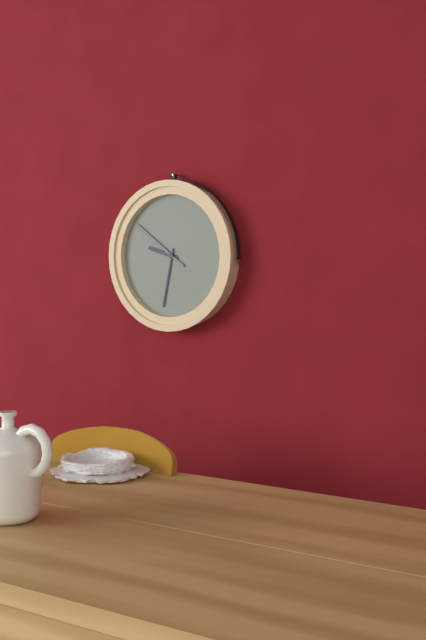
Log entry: 9:32:51
